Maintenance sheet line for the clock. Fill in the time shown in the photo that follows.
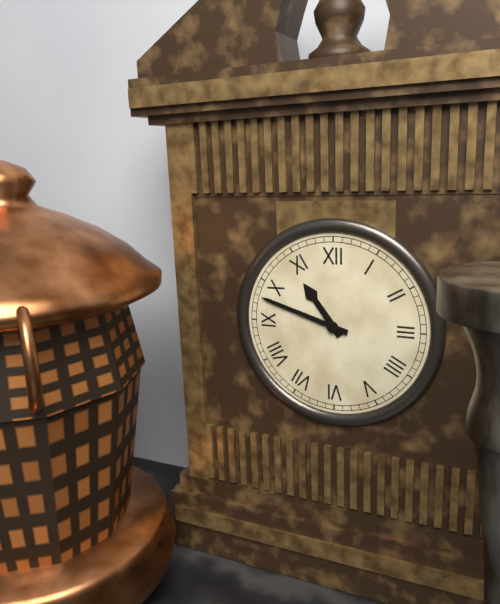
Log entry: 10:48
